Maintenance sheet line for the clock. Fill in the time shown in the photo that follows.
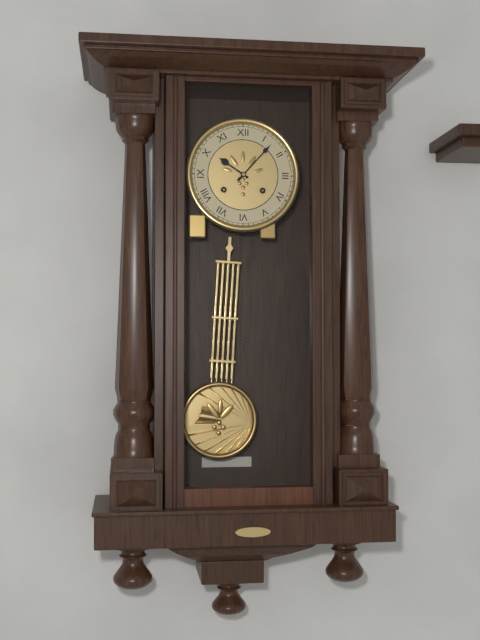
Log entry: 10:07
